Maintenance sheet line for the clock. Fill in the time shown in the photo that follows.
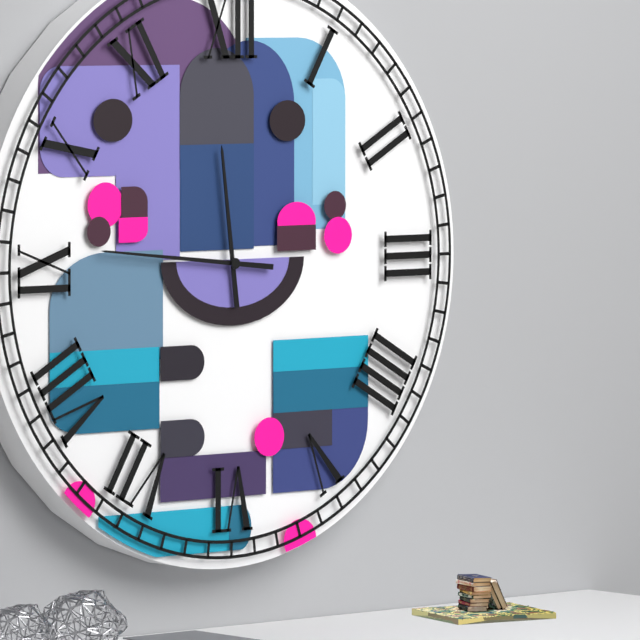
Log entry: 11:46
